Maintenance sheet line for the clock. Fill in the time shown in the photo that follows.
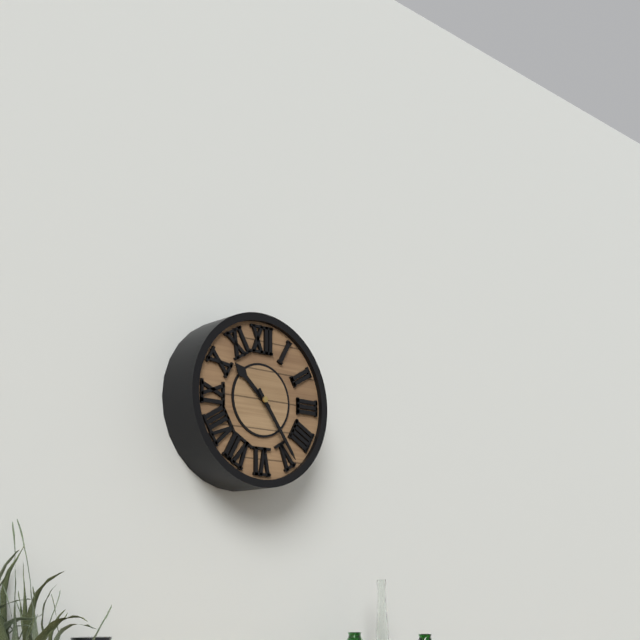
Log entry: 10:24
